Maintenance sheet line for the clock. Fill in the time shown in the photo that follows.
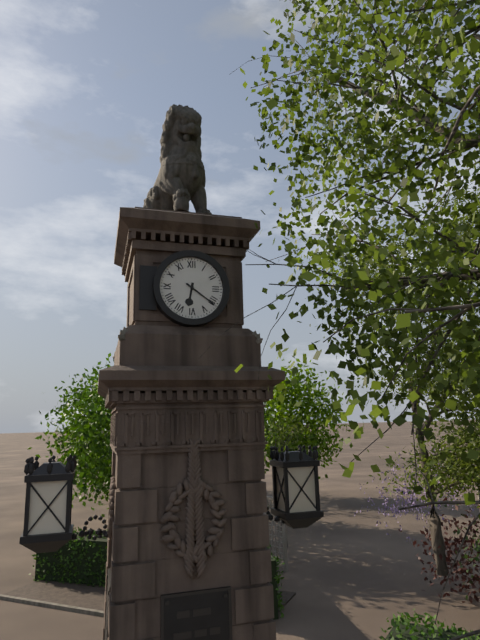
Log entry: 6:21
